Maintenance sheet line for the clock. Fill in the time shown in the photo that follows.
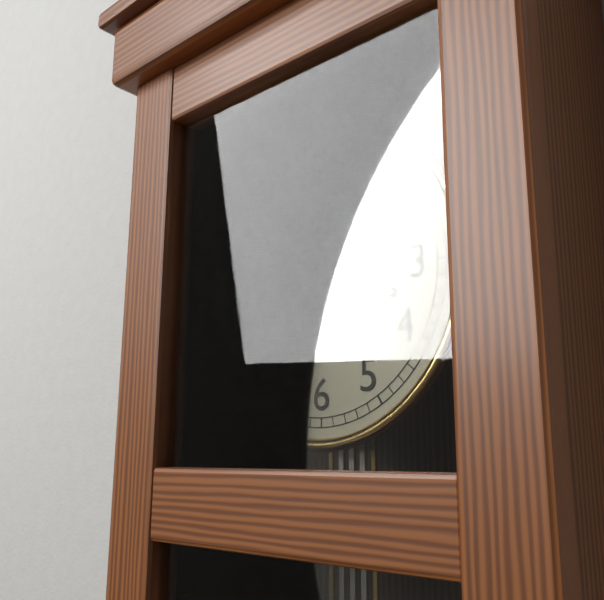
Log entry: 7:10
